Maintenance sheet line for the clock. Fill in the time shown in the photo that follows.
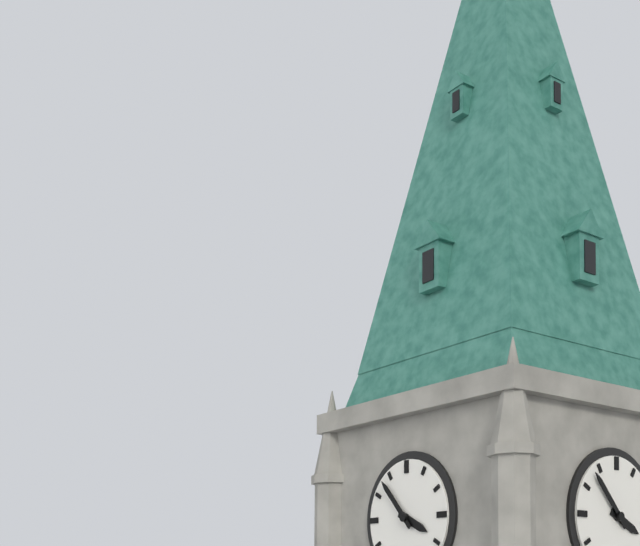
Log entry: 3:53
